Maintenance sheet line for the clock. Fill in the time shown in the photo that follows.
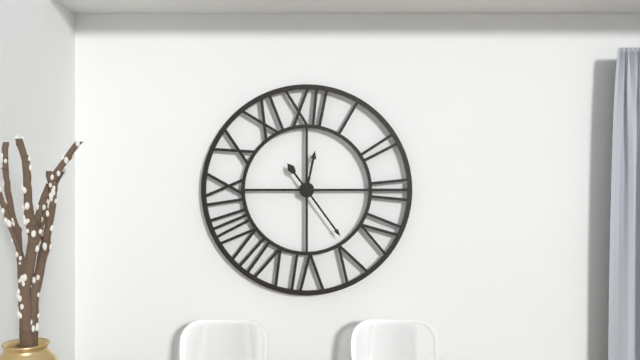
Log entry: 12:24
